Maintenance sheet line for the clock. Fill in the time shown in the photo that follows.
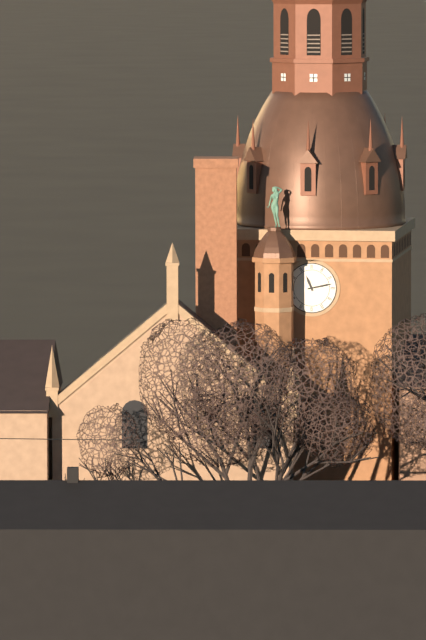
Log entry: 11:13
